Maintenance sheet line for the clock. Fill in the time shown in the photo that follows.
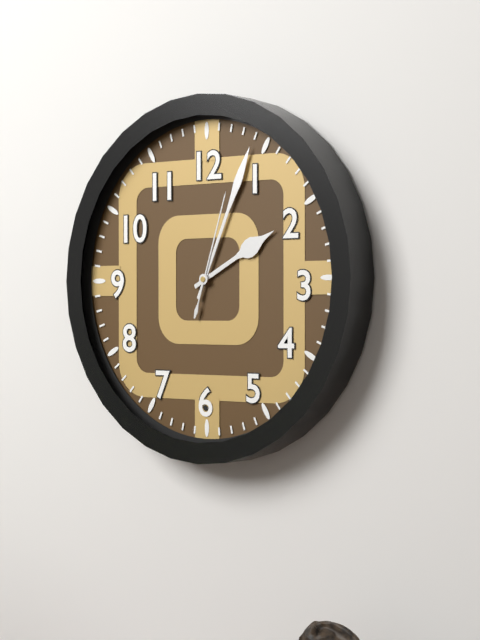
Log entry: 2:04:03
